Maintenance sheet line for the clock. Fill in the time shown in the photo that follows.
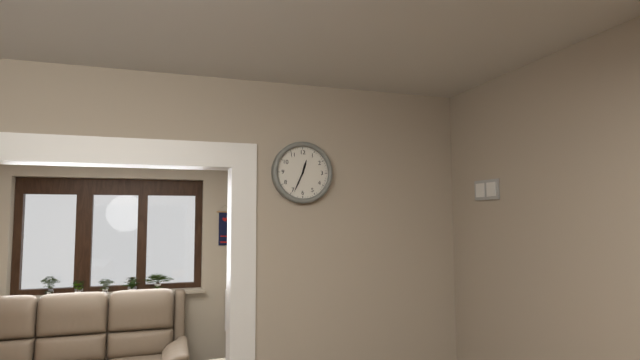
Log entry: 12:34
